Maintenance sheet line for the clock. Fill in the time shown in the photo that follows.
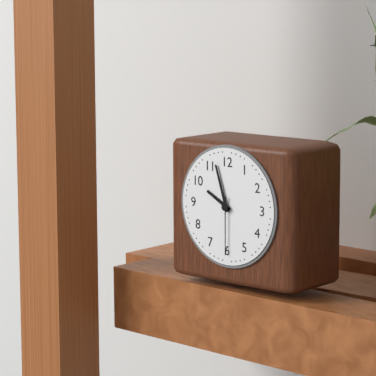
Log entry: 9:57:30
